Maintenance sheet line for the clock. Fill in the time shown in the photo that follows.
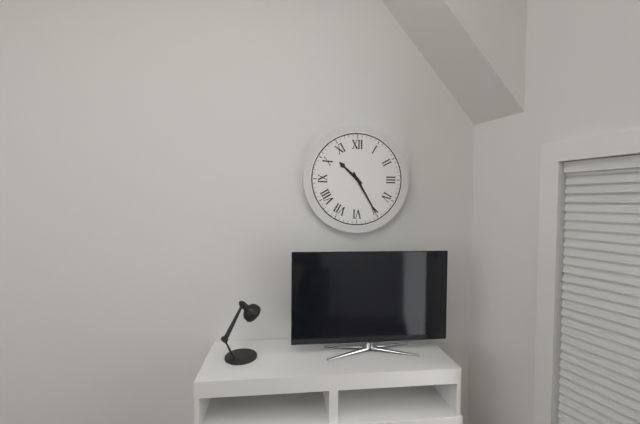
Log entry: 10:25
